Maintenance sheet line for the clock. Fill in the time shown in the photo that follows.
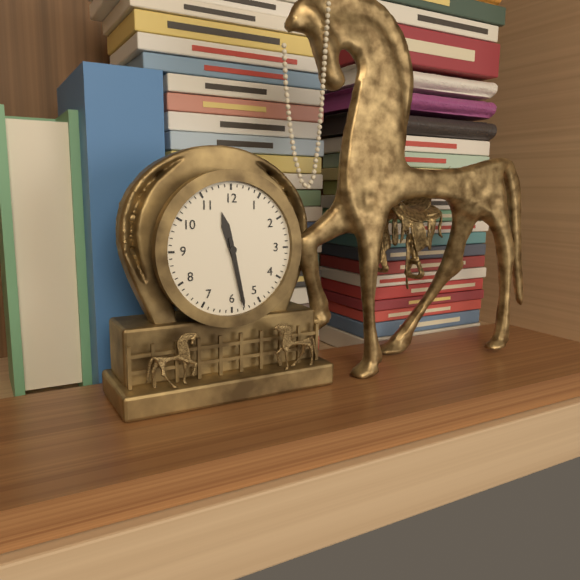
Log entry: 11:28
